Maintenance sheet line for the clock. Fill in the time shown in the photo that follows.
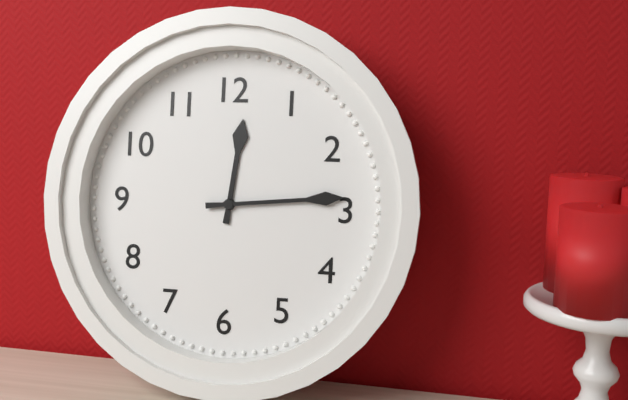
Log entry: 12:14
